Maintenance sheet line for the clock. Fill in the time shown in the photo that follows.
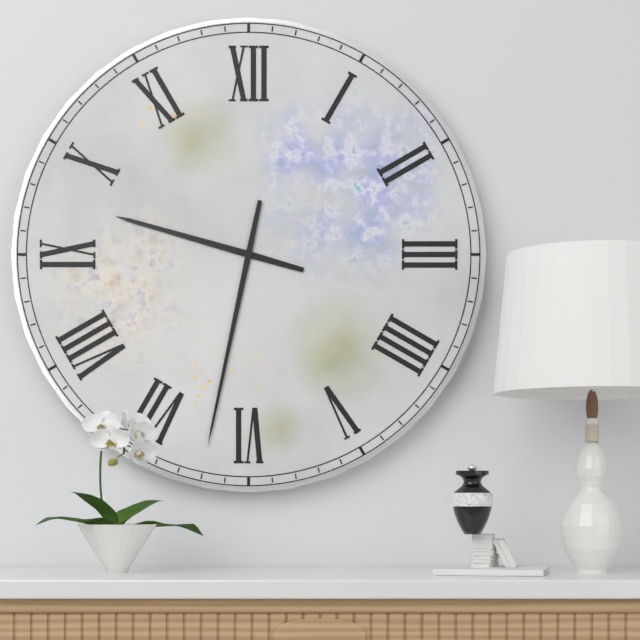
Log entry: 9:32
